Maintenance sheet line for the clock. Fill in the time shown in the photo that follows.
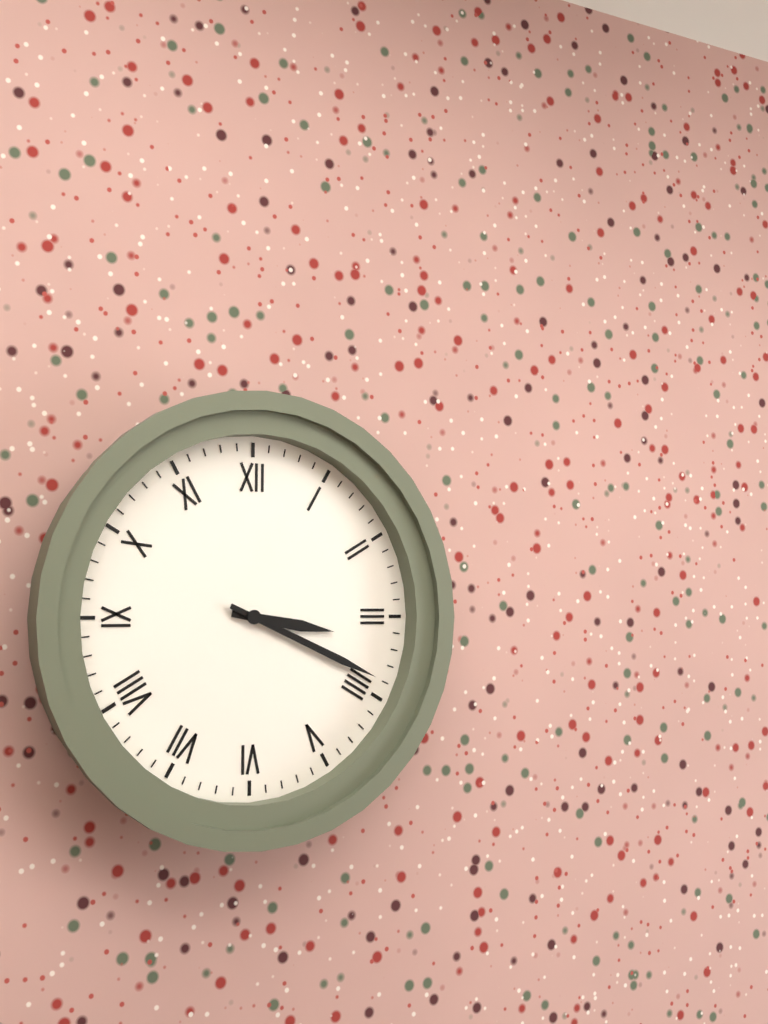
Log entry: 3:19
